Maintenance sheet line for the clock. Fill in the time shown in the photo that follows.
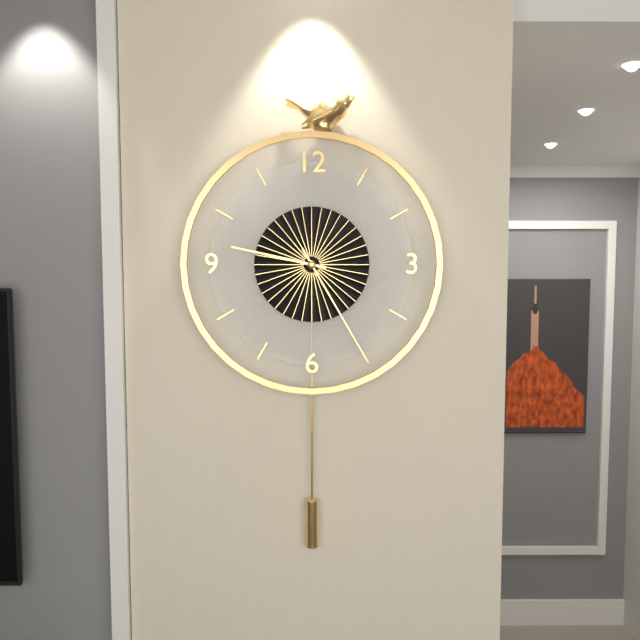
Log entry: 9:25
